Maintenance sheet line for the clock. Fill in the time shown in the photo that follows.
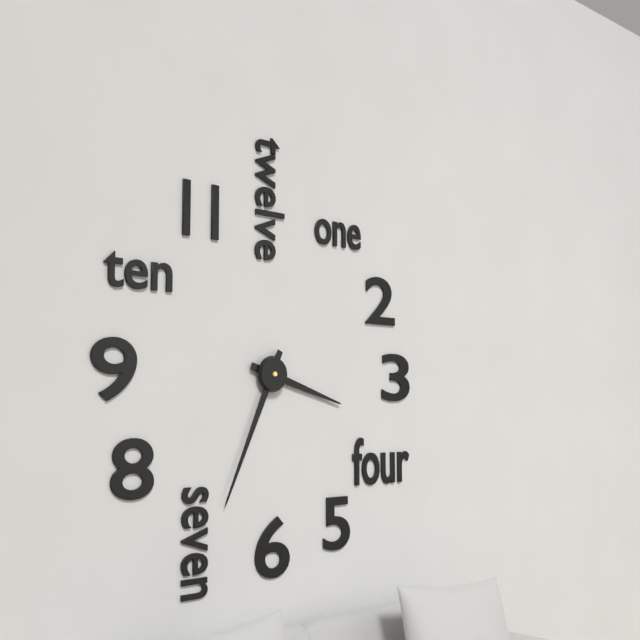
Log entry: 3:34
